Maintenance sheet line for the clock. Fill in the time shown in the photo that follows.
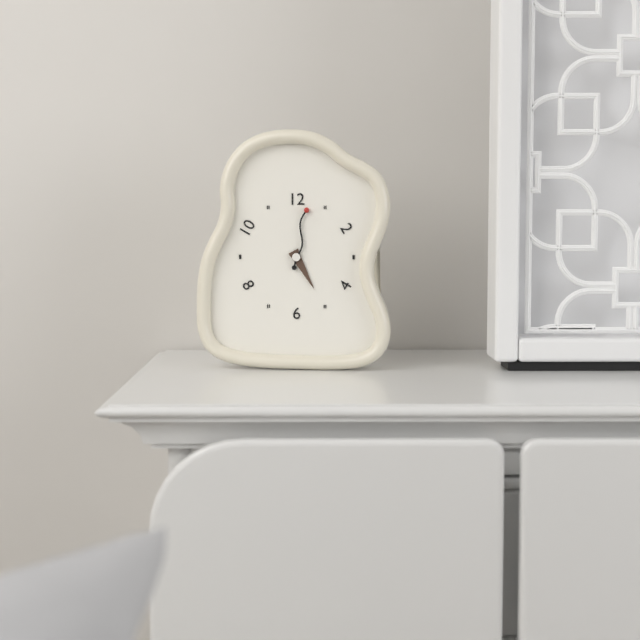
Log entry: 5:02
